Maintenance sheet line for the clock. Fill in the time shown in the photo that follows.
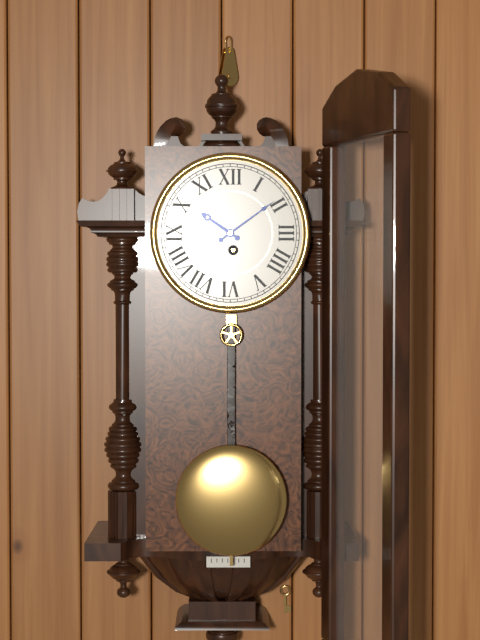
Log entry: 10:09
